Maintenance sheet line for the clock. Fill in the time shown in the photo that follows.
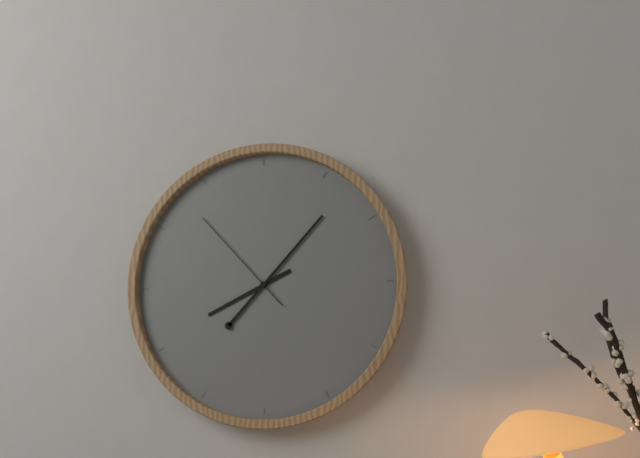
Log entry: 8:07:53
